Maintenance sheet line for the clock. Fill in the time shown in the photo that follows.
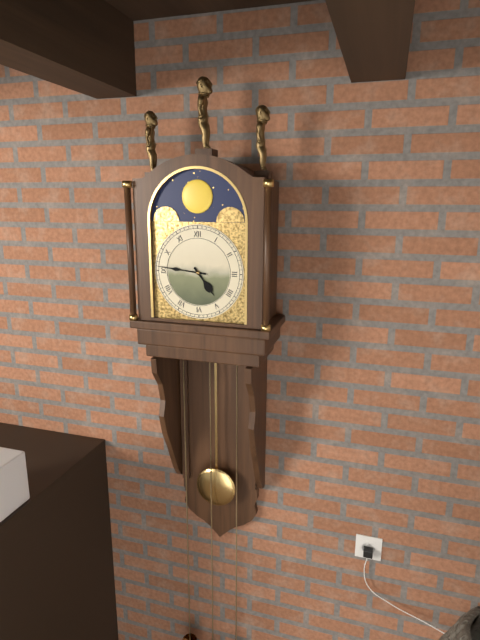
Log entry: 4:46
